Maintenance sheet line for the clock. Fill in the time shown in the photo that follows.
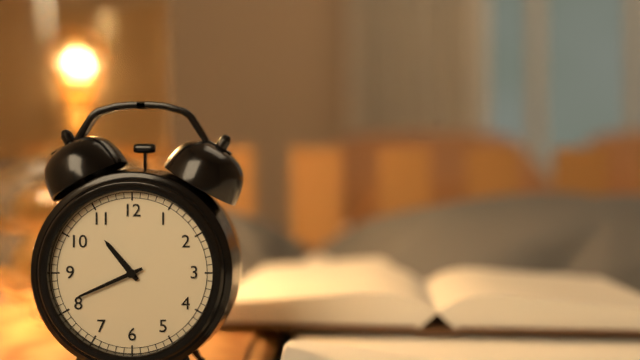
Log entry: 10:41
